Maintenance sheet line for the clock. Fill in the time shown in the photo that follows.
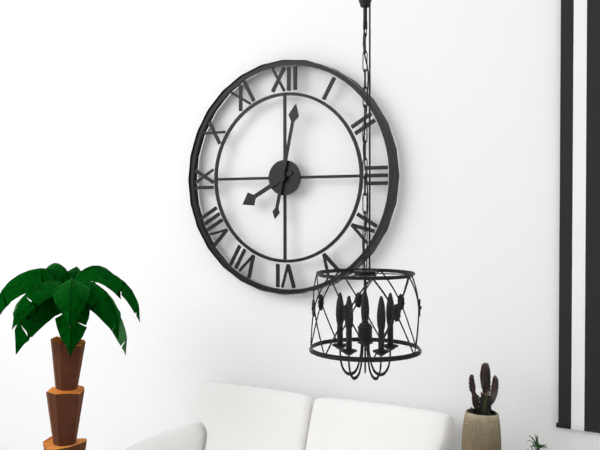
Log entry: 8:02
